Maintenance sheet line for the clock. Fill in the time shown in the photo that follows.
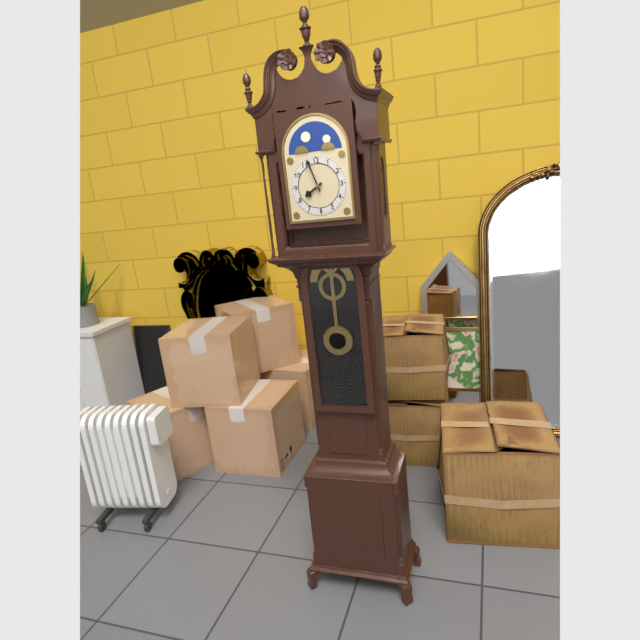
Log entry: 7:57
